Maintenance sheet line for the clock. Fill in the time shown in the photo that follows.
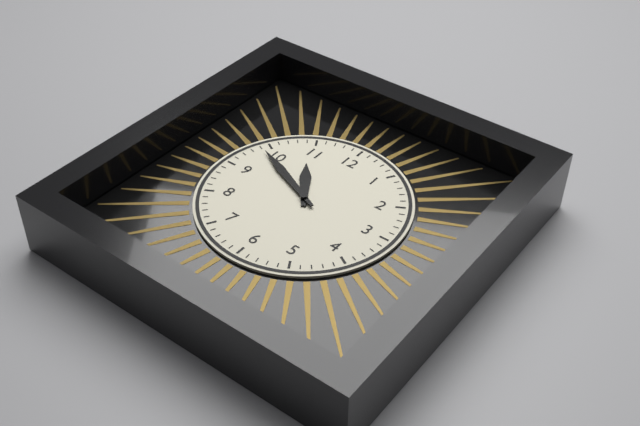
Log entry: 10:49
